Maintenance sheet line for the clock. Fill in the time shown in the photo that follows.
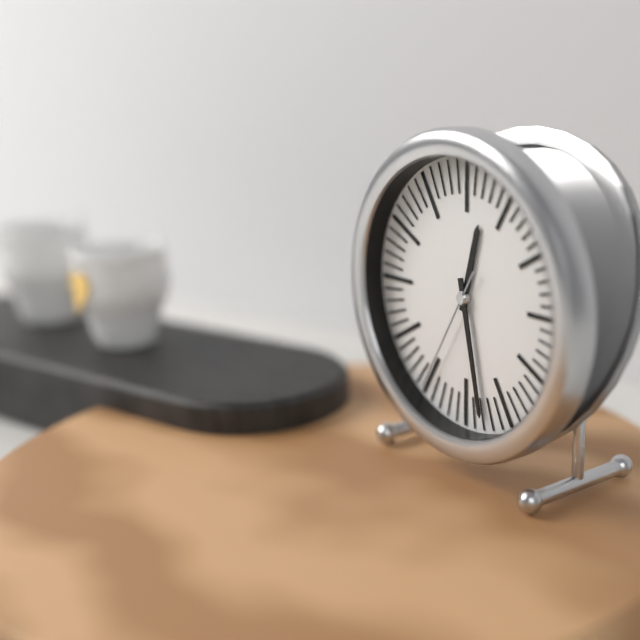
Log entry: 12:28:35
